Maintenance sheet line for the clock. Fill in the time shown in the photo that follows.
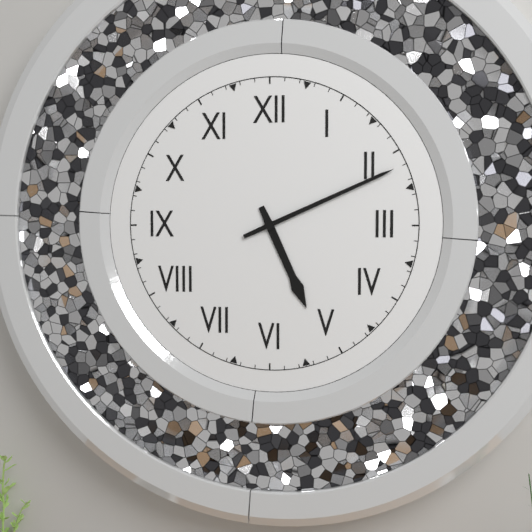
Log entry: 5:11
